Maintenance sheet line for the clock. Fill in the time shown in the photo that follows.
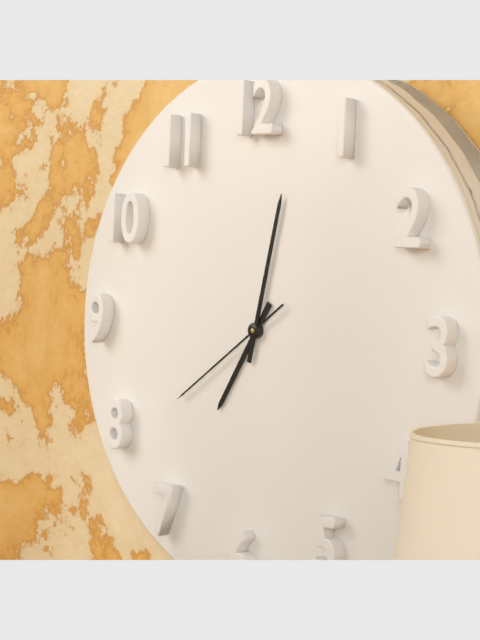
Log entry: 7:02:39
